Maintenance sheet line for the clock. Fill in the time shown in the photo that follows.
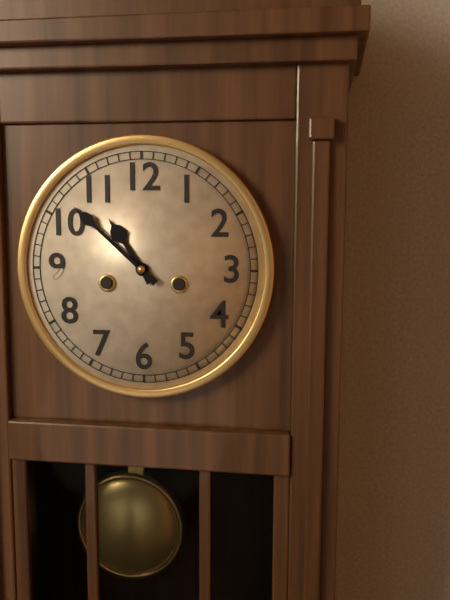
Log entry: 10:52
